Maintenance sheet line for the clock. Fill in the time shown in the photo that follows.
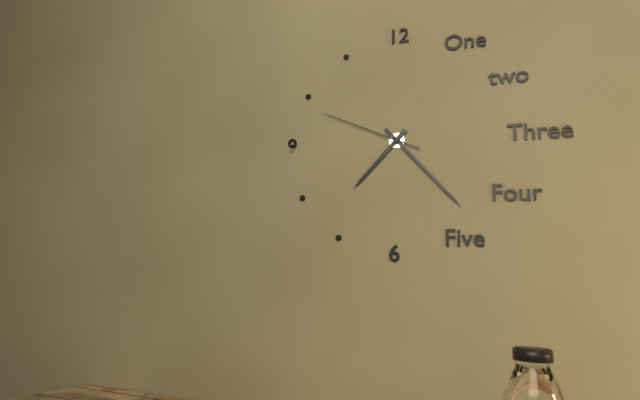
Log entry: 7:23:49
